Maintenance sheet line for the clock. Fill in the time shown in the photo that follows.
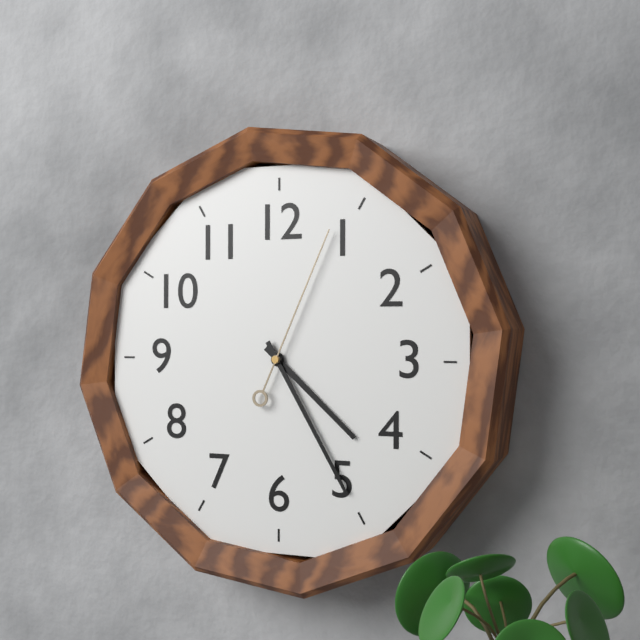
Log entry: 4:25:04
